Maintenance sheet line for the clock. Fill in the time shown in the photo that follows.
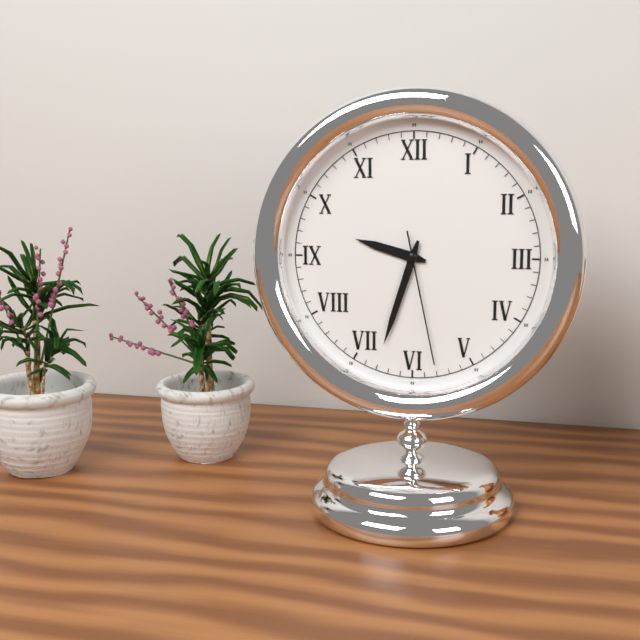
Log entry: 9:33:28
